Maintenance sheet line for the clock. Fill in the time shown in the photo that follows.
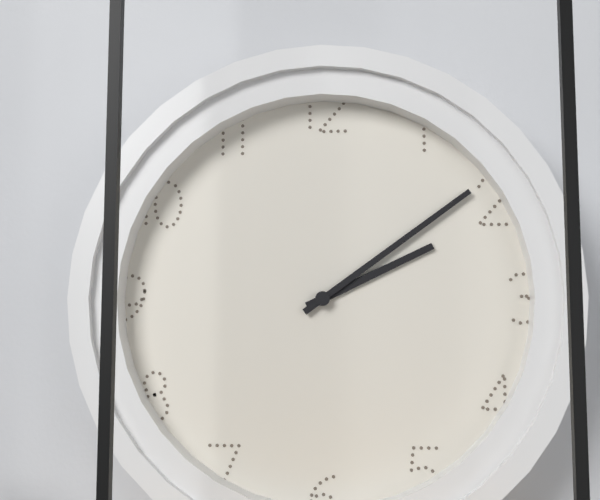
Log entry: 2:09
